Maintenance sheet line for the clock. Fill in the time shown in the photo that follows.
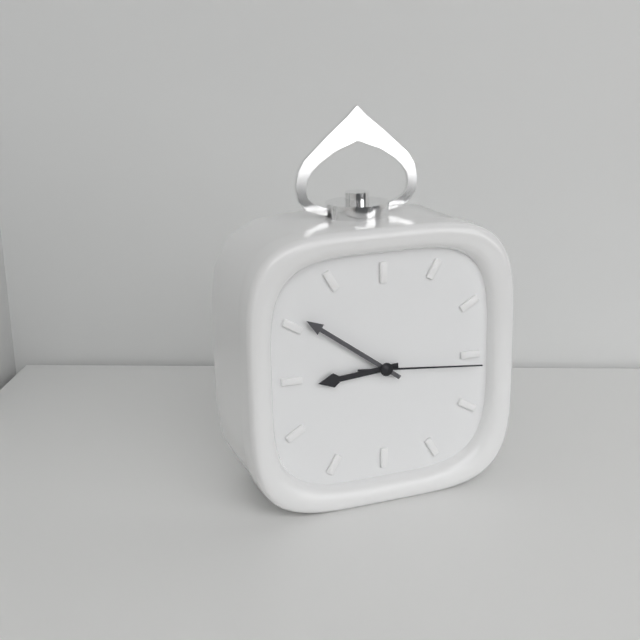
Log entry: 8:51:16
